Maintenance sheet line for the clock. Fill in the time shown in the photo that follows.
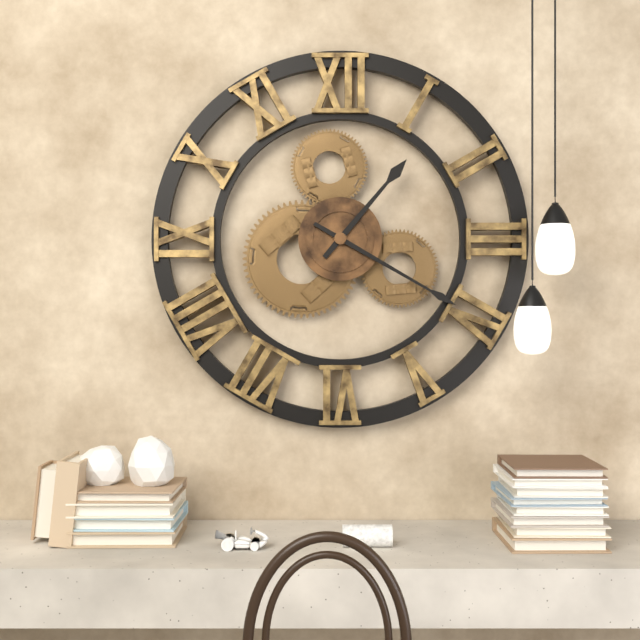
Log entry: 1:20
